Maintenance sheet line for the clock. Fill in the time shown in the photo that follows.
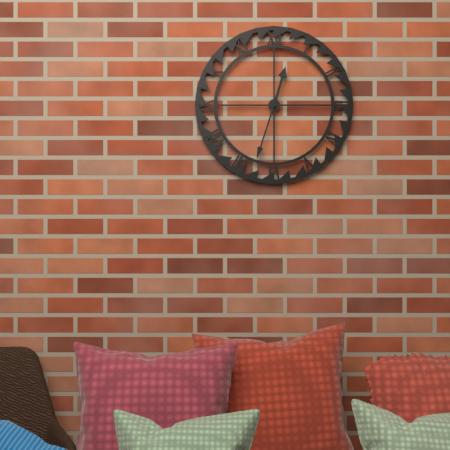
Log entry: 12:33
